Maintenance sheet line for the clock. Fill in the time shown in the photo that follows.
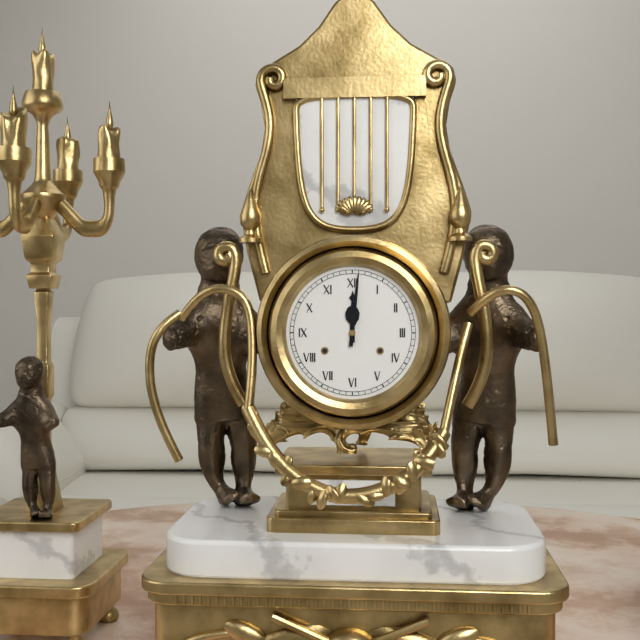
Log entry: 12:01
